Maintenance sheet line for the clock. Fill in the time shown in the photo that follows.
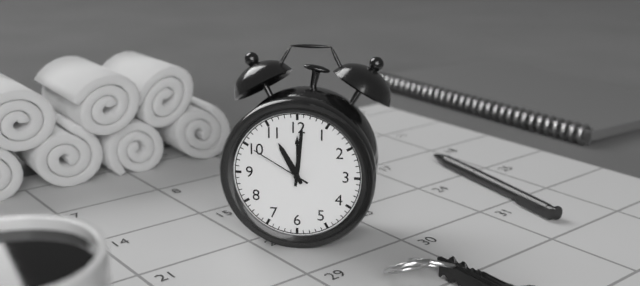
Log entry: 11:01:50
